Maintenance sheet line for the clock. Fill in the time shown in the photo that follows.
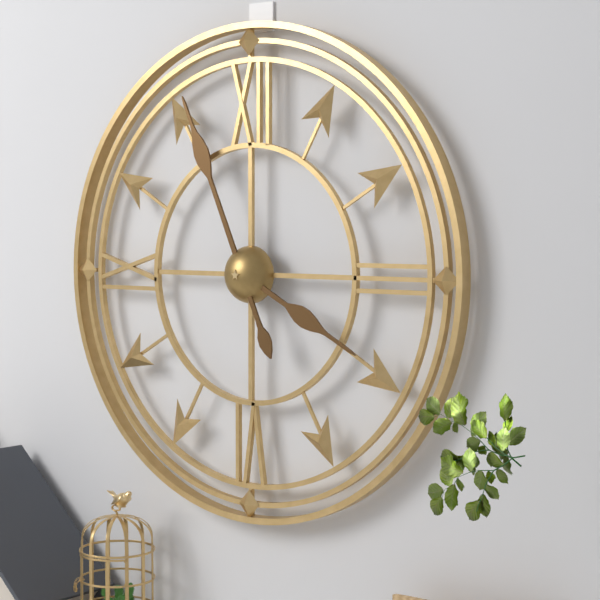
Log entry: 3:56
